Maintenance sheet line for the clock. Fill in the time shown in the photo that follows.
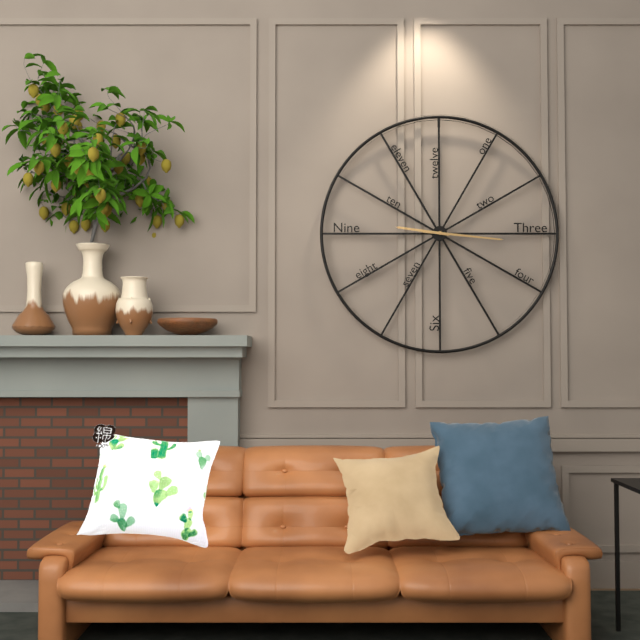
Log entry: 9:16
